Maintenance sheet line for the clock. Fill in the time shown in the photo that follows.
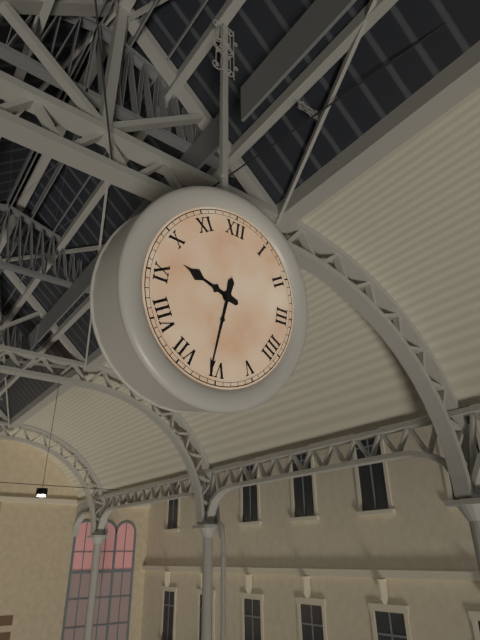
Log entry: 9:31
